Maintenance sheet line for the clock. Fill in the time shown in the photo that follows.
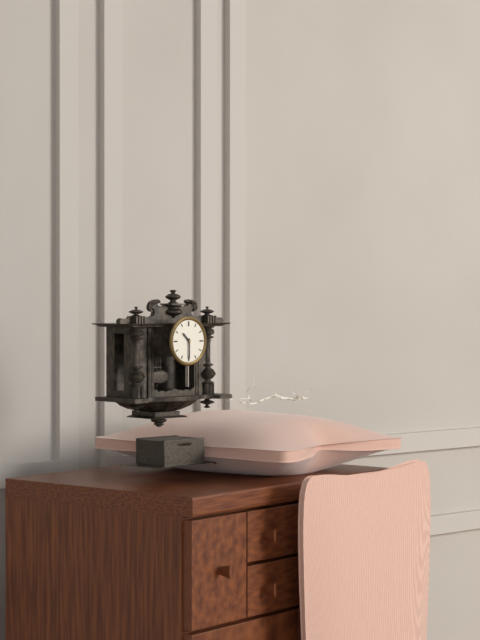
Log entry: 10:30
